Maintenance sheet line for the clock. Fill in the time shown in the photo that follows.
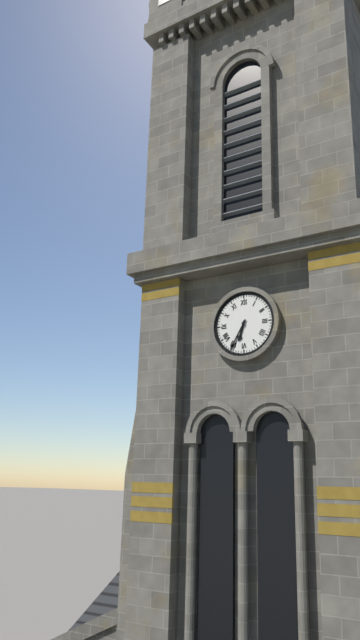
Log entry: 6:35
